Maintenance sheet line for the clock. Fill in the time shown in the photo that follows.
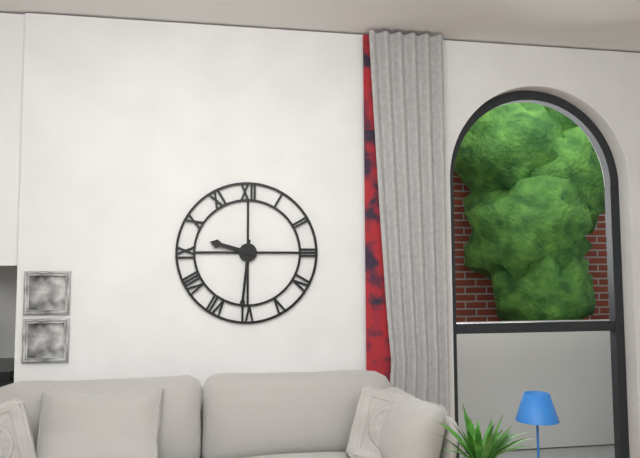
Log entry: 9:31
